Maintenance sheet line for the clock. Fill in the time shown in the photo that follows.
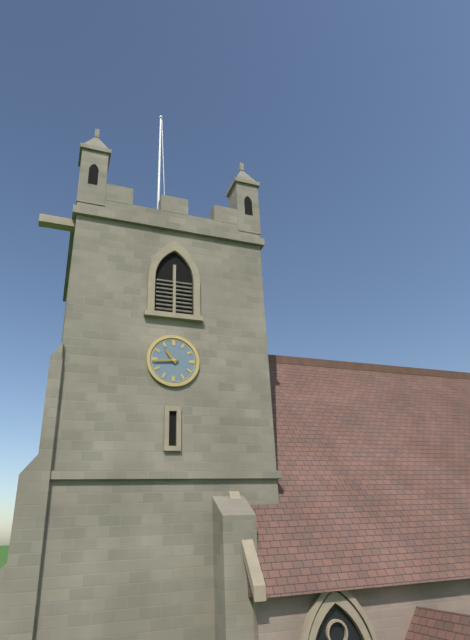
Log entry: 10:44
